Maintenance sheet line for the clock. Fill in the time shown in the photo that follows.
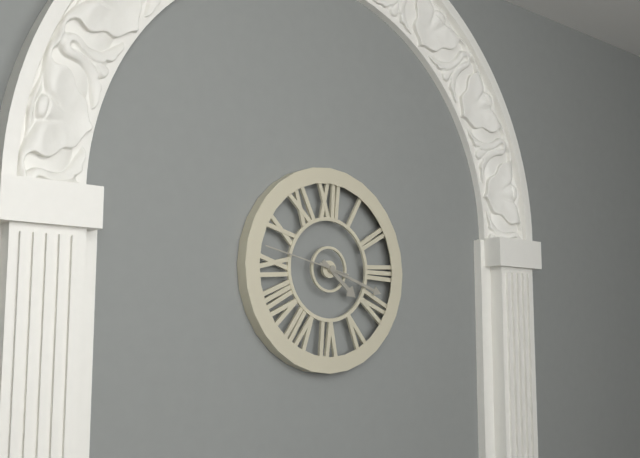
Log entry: 4:18:47
